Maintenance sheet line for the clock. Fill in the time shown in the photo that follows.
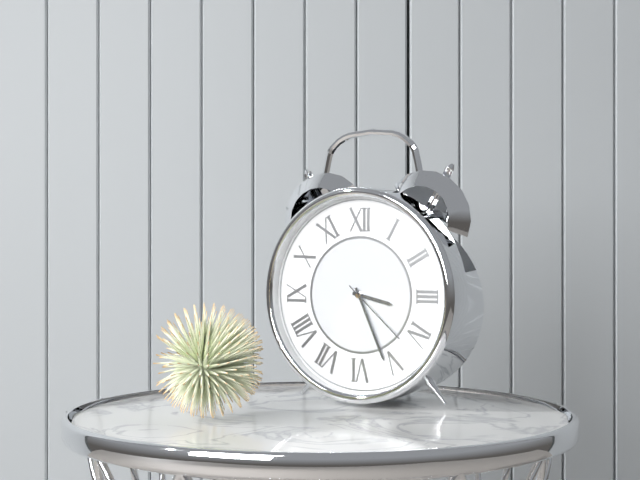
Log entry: 3:26:22
